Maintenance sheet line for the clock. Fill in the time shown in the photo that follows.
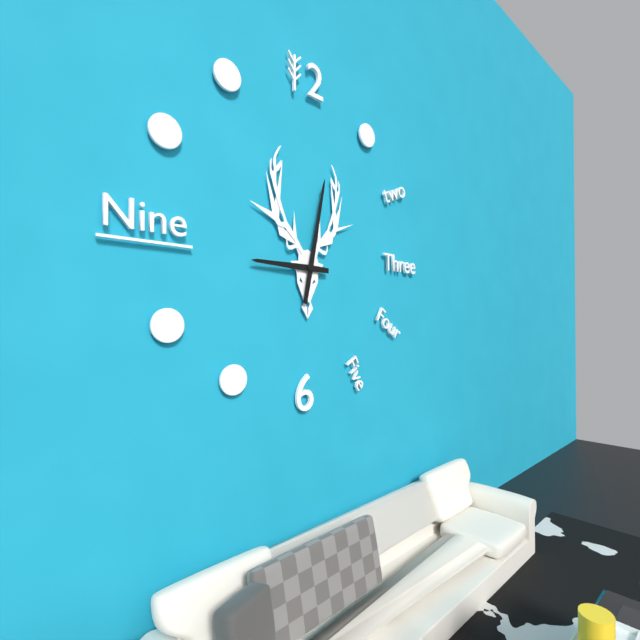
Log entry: 9:02
